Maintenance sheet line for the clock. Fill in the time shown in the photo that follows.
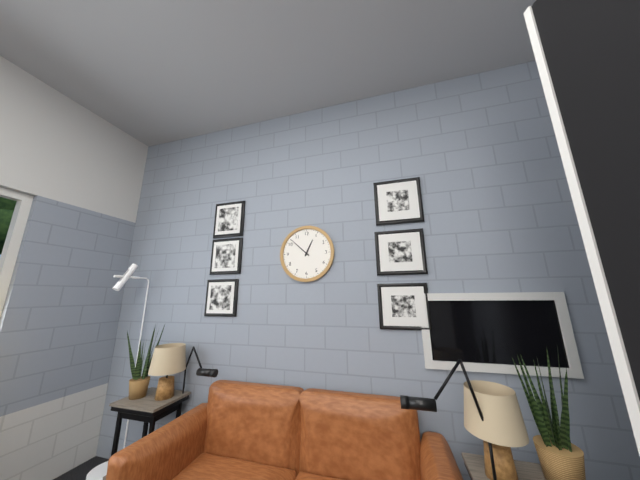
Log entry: 12:52
